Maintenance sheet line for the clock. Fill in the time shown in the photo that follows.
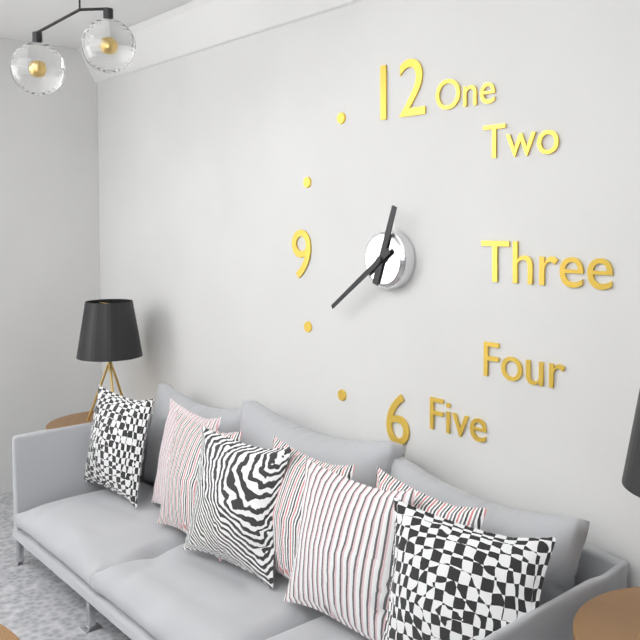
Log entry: 12:39
